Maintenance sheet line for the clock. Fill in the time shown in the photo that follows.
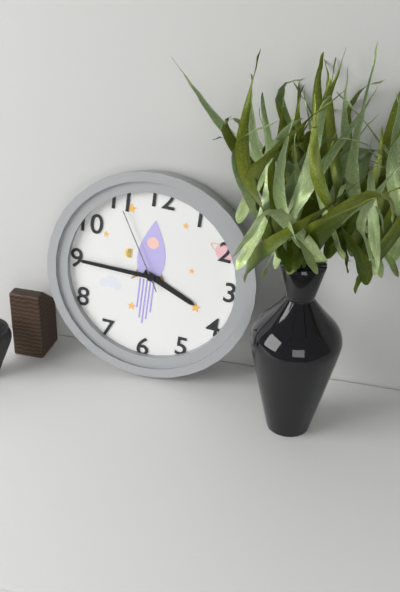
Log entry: 3:45:55
